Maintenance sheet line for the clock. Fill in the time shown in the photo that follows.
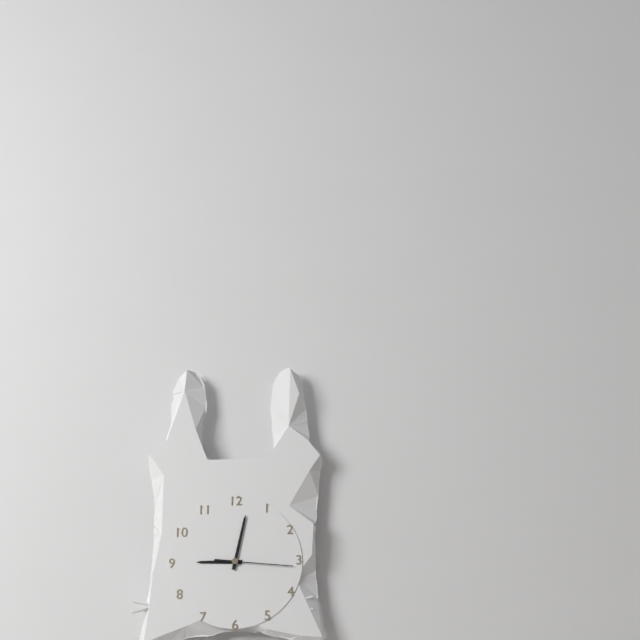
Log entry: 9:02:16
